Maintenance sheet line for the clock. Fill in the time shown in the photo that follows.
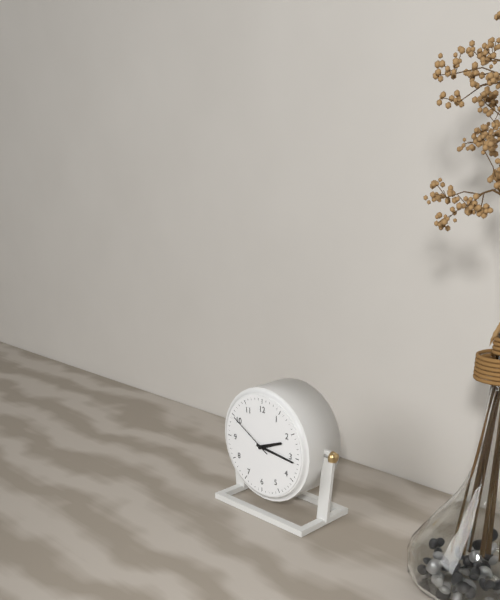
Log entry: 2:16:50
